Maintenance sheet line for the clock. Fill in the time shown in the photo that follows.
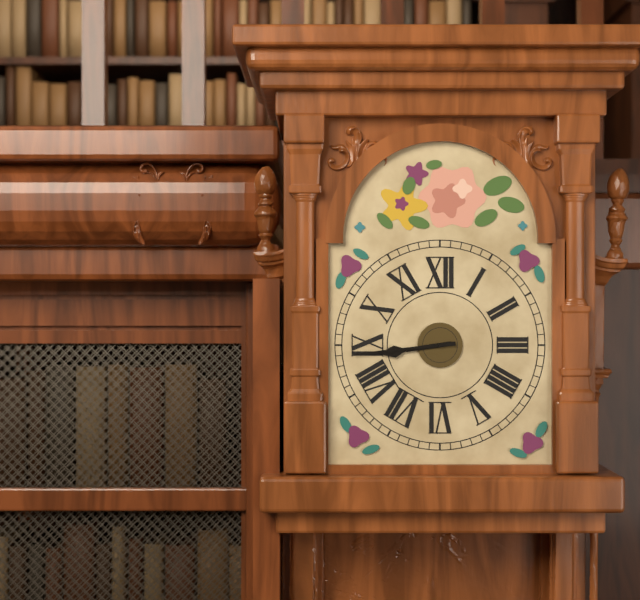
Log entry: 8:44
